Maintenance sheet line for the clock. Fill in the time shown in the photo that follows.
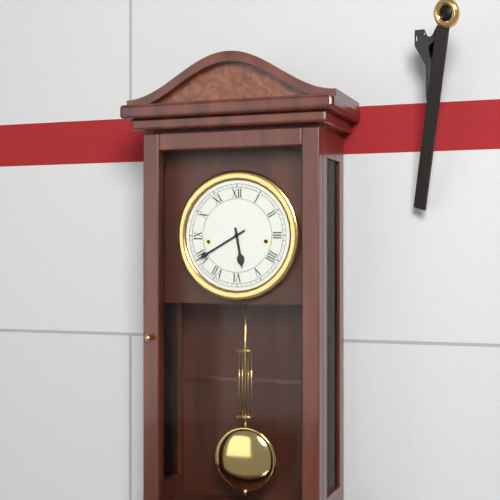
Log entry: 5:40
